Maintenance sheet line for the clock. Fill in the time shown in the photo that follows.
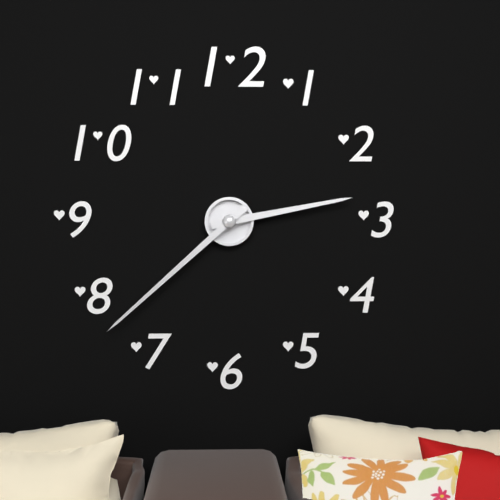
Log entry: 2:38
